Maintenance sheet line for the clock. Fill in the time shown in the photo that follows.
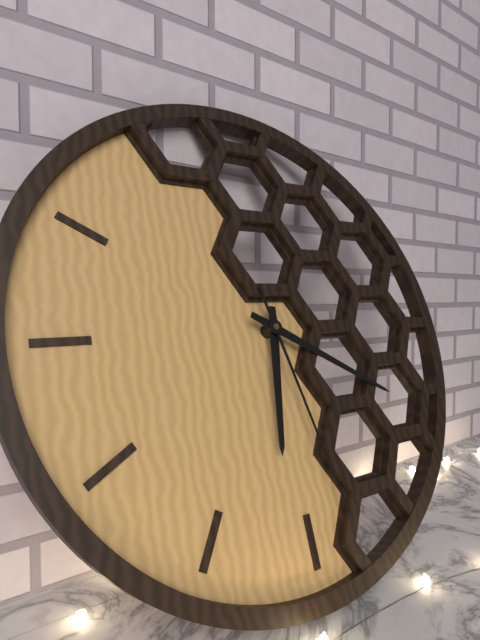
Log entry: 6:20:28
